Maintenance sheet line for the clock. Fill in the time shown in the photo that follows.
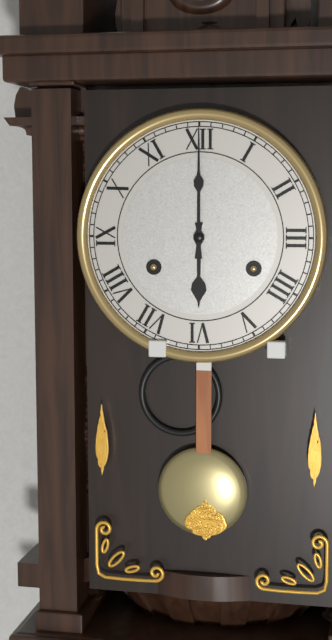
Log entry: 6:00
